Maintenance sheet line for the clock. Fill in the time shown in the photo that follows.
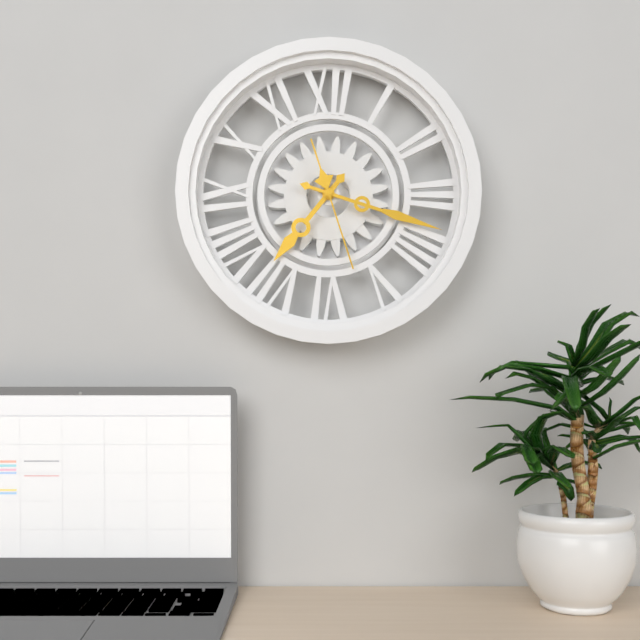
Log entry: 7:18:27
